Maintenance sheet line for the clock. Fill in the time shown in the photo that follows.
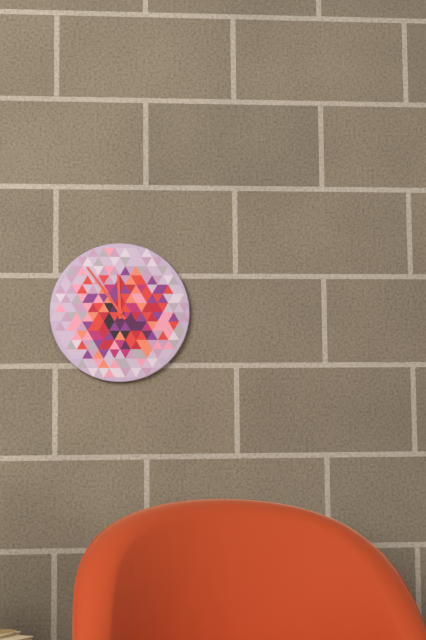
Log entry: 11:54
